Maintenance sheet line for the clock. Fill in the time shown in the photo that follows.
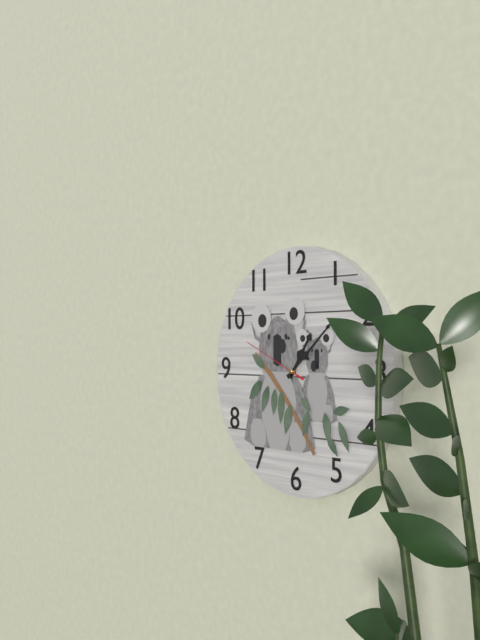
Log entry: 1:08:49
